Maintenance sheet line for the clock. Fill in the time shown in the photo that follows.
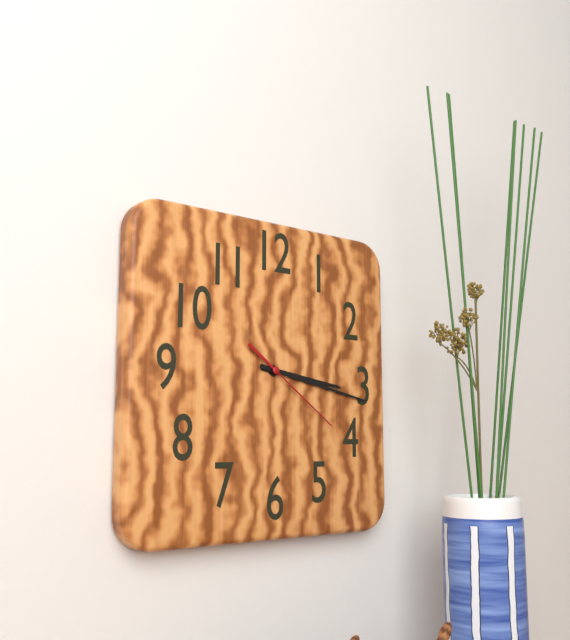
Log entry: 3:17:21
